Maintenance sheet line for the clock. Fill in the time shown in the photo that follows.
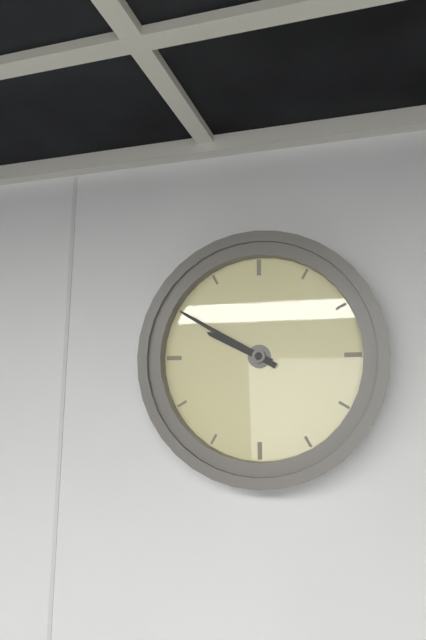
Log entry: 9:50
